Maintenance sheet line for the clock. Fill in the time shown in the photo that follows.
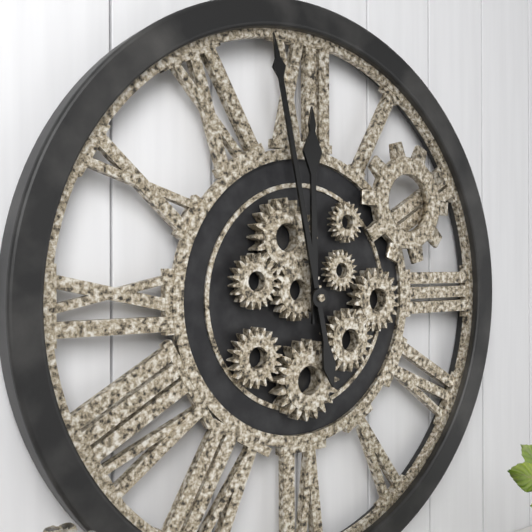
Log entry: 11:58
